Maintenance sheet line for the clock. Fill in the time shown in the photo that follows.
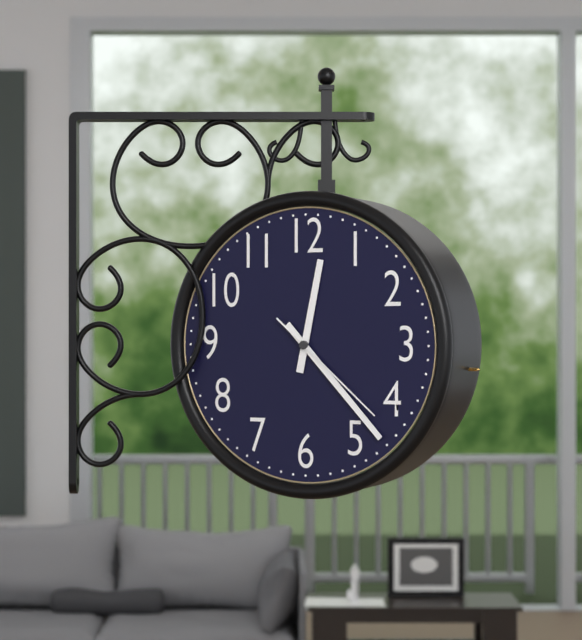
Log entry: 12:23:22
